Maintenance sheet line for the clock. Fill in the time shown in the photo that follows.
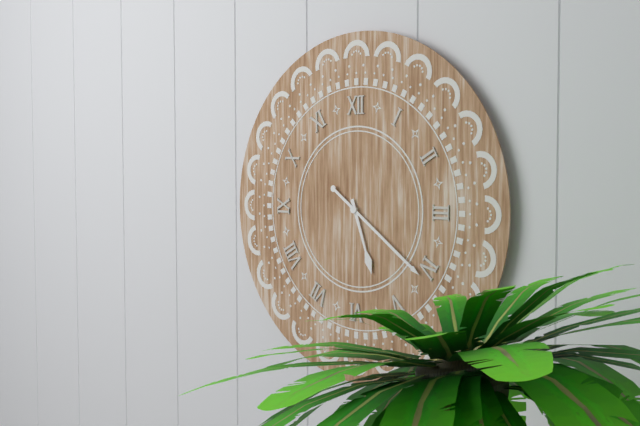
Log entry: 5:21
